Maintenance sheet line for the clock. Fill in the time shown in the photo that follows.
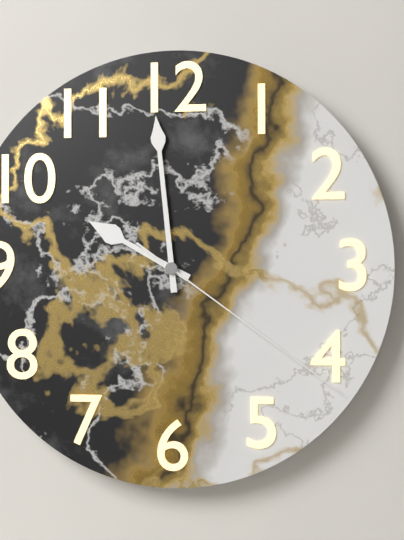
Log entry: 9:59:21
